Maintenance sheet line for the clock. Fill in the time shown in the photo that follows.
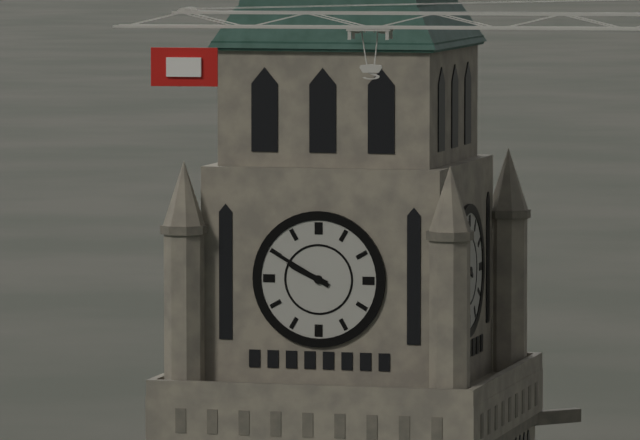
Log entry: 9:50
